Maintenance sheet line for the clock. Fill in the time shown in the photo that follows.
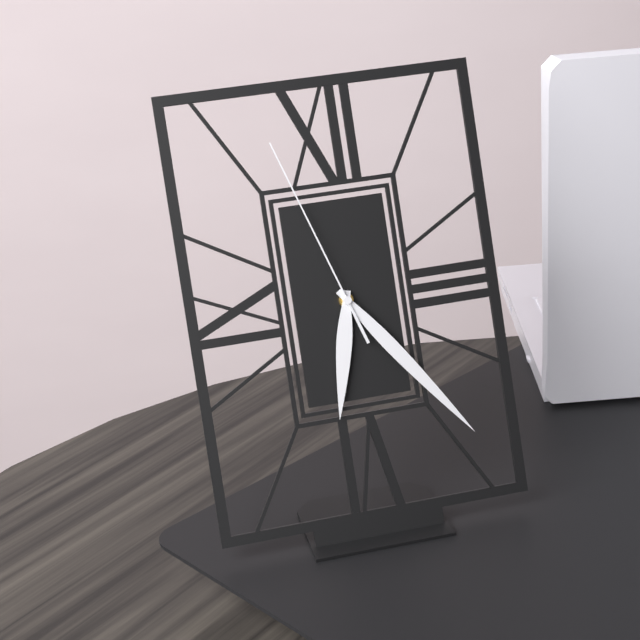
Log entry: 6:24:57
